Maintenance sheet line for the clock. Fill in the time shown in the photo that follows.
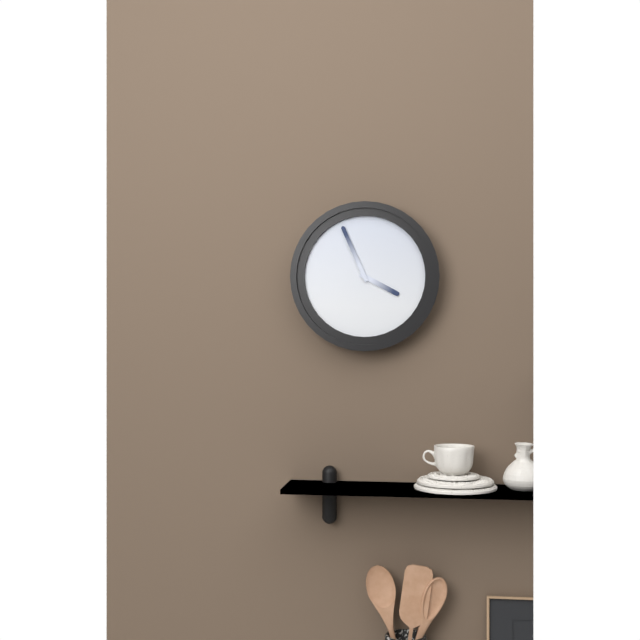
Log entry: 3:56
